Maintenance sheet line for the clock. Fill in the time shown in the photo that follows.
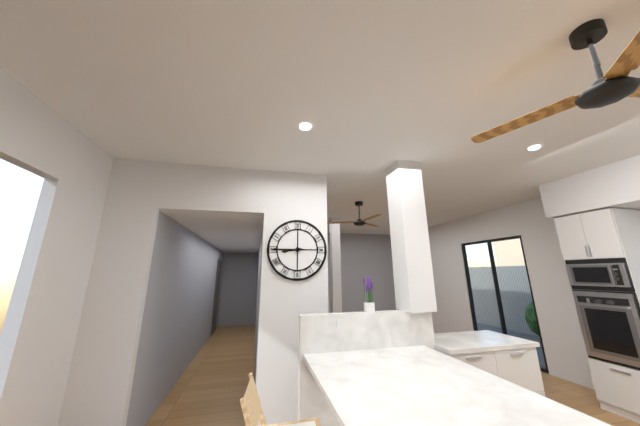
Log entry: 8:45
